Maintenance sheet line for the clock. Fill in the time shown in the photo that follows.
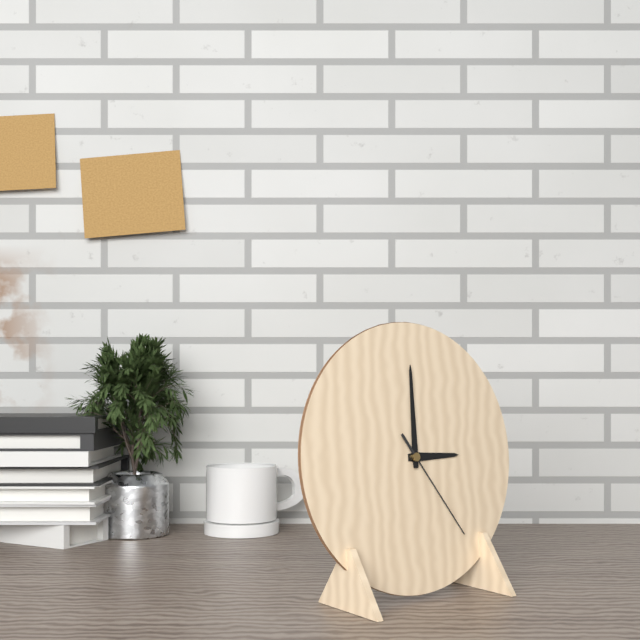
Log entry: 3:00:24
